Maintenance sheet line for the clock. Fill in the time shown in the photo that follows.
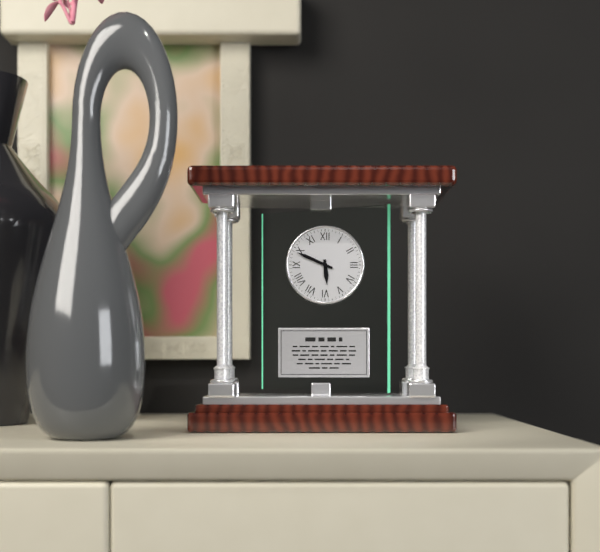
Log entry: 5:49
